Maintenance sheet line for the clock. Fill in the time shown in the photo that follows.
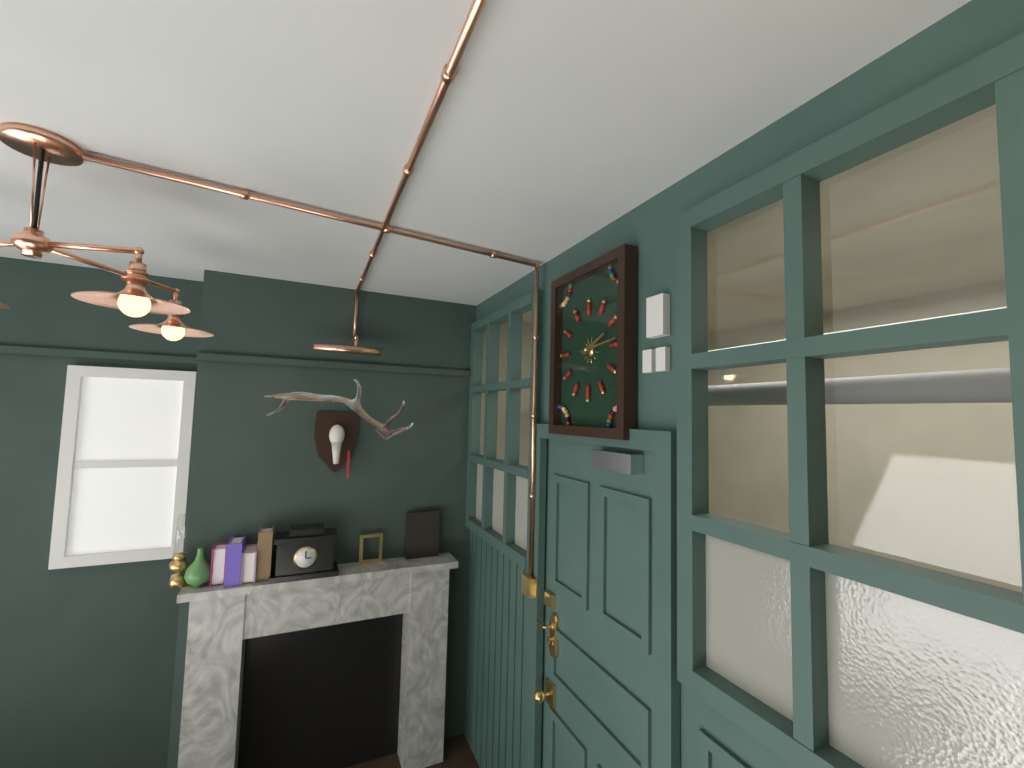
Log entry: 2:14
